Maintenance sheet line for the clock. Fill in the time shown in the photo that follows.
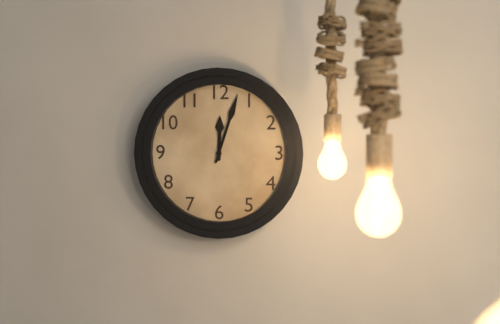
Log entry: 12:03
